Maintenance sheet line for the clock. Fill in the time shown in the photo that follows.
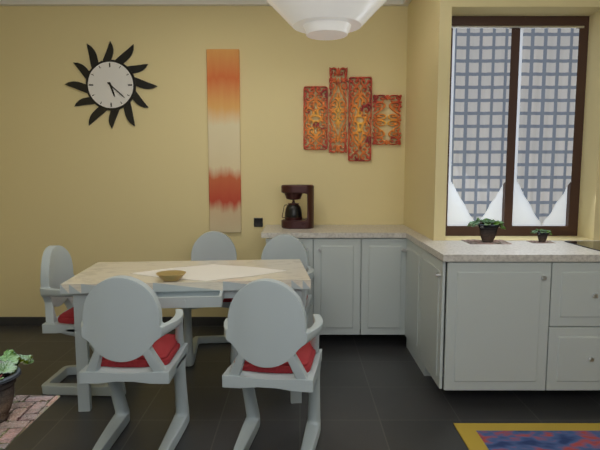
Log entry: 5:22
